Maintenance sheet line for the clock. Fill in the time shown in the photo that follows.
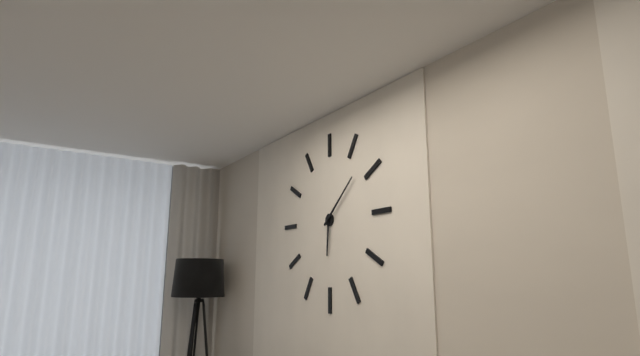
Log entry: 6:08
